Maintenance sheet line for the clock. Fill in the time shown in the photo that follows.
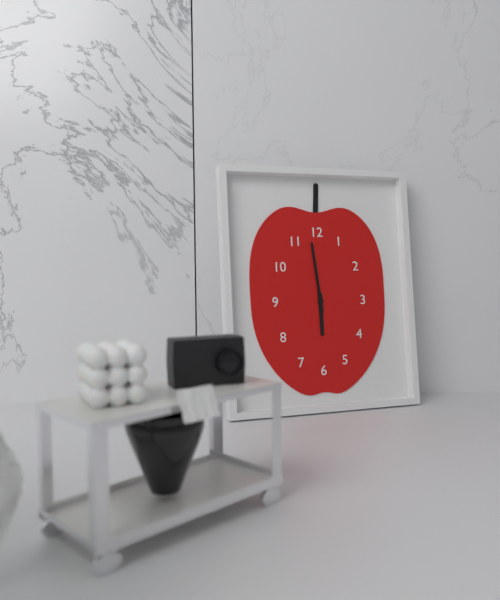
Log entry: 5:59
